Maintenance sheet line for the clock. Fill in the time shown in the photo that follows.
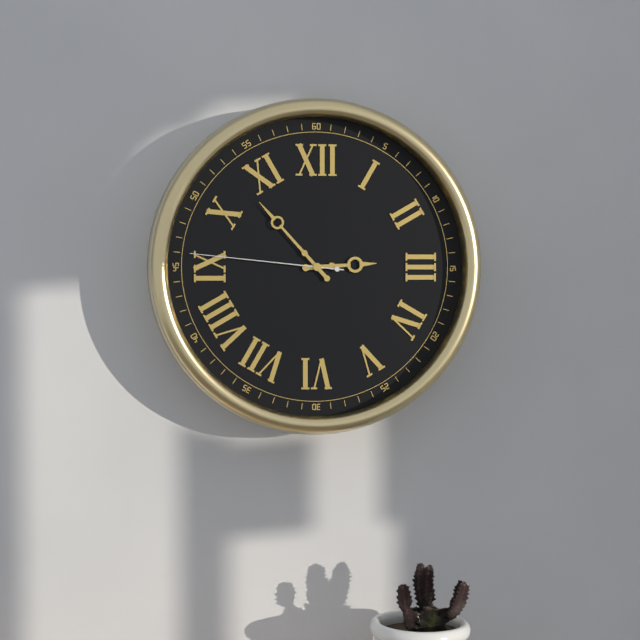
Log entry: 2:53:46
